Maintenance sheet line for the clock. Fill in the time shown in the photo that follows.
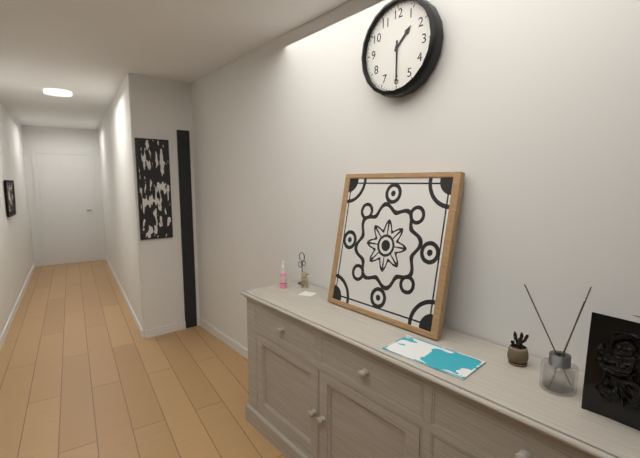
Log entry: 1:30
